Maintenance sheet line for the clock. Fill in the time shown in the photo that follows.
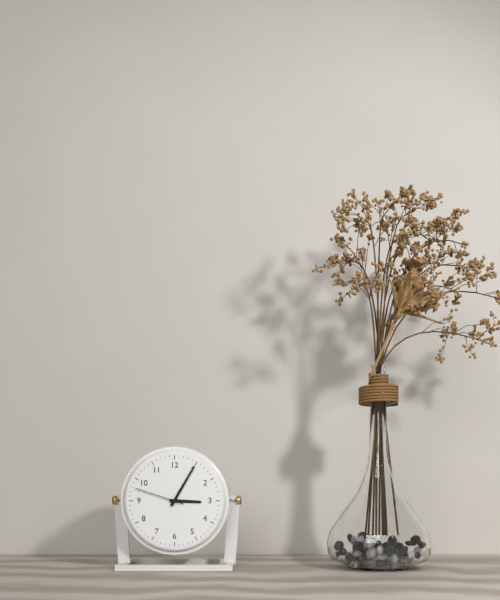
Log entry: 3:05:48
